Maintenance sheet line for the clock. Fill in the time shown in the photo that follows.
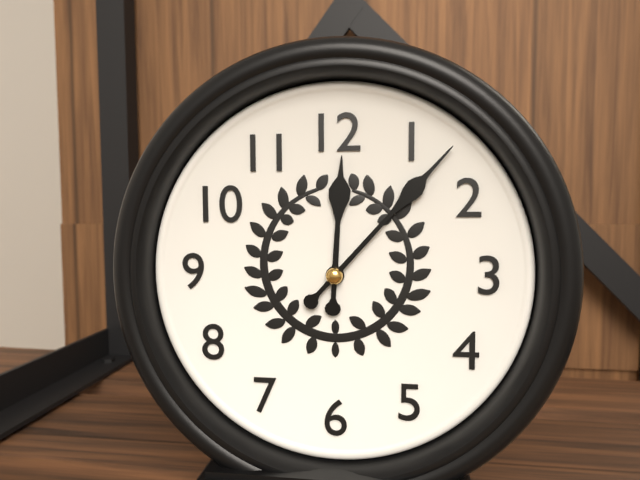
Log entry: 12:07
